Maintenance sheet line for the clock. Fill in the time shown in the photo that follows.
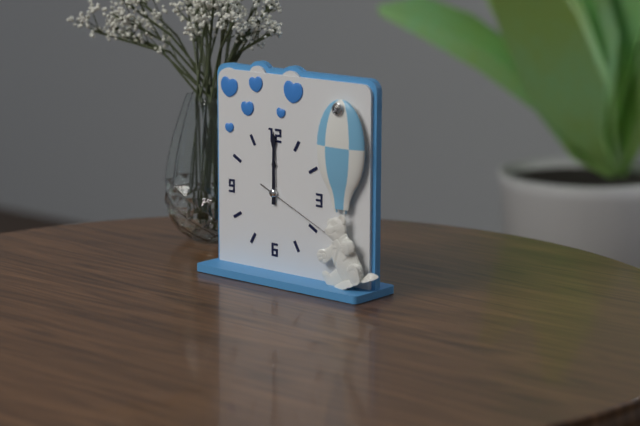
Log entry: 12:00:19
